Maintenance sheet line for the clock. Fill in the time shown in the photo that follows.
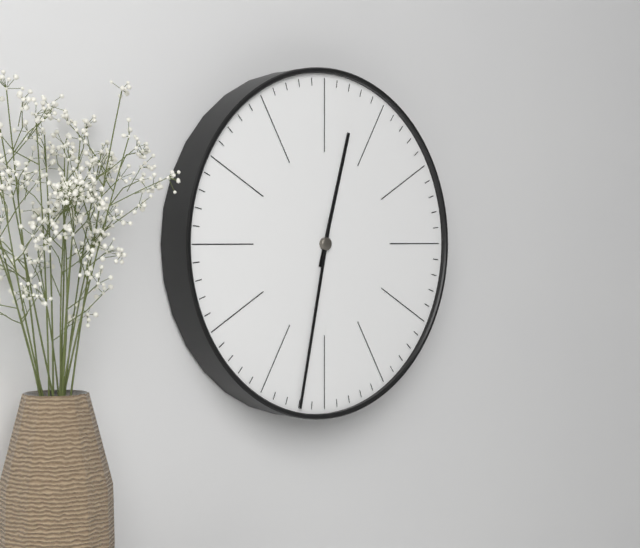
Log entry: 12:32
